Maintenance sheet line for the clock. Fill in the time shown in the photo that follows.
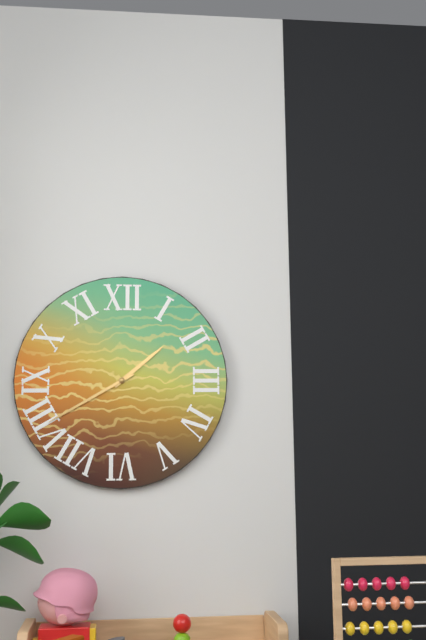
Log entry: 1:40
